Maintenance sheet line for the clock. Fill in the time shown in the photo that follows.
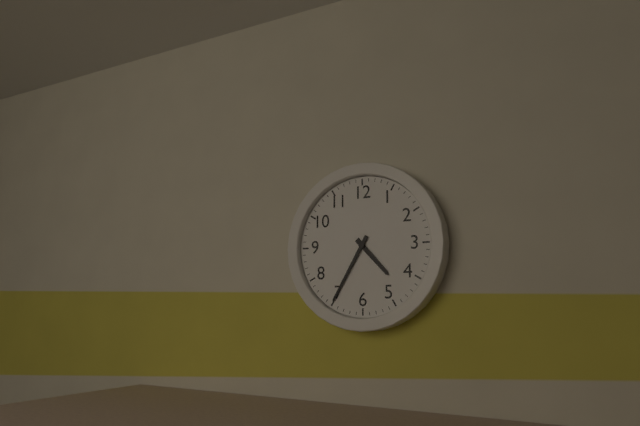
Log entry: 4:35
